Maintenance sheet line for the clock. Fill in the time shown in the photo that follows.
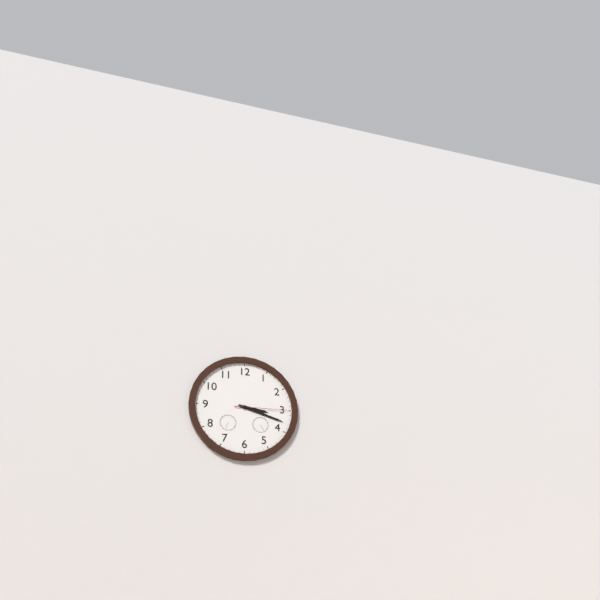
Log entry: 3:18:15
